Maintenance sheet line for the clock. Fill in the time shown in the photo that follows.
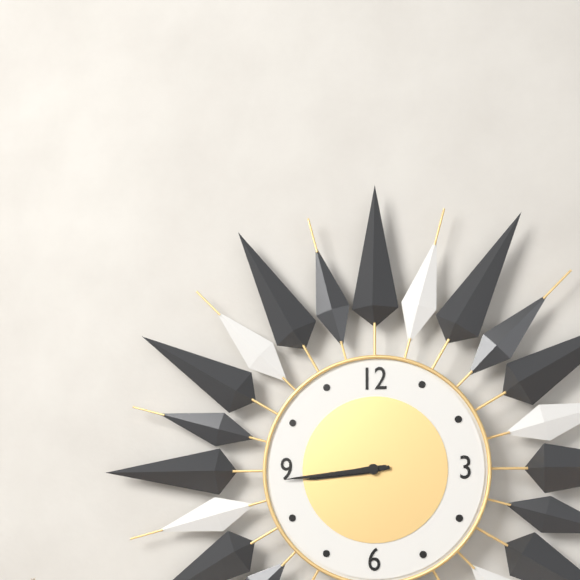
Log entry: 8:44
